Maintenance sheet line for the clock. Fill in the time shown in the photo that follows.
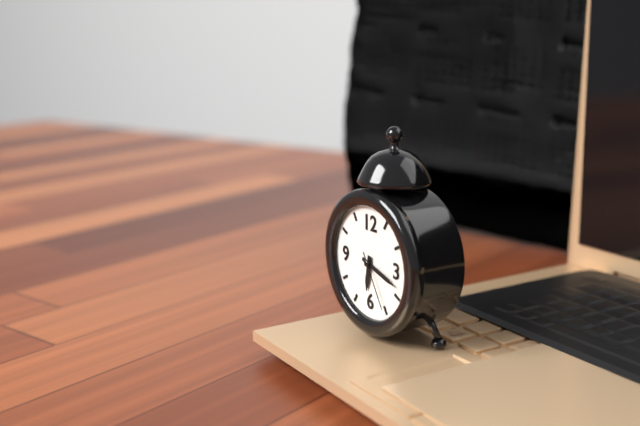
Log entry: 6:18:25
